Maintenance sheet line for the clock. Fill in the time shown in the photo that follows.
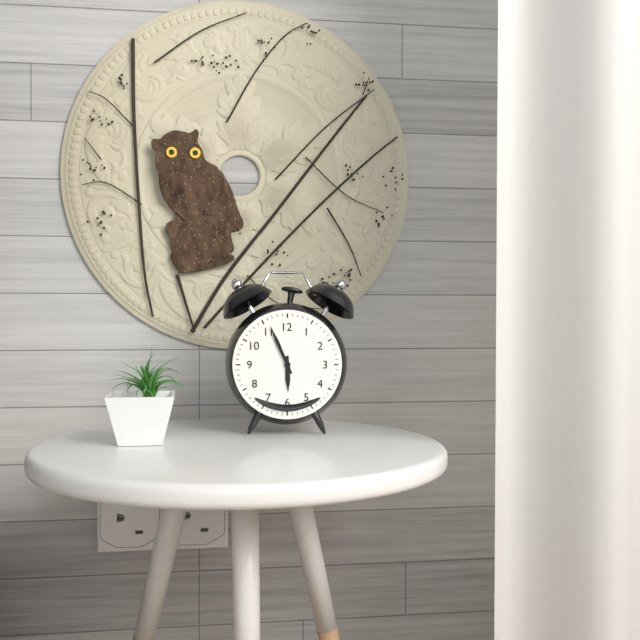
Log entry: 5:56
